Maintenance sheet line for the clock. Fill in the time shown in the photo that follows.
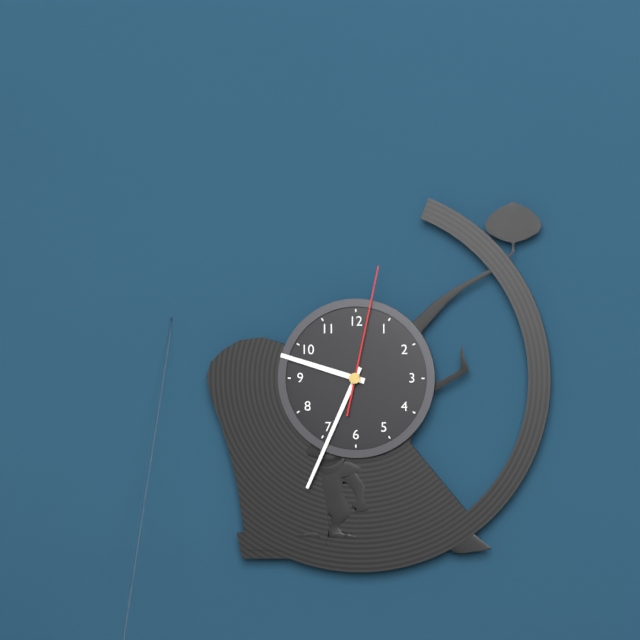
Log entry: 9:34:02
